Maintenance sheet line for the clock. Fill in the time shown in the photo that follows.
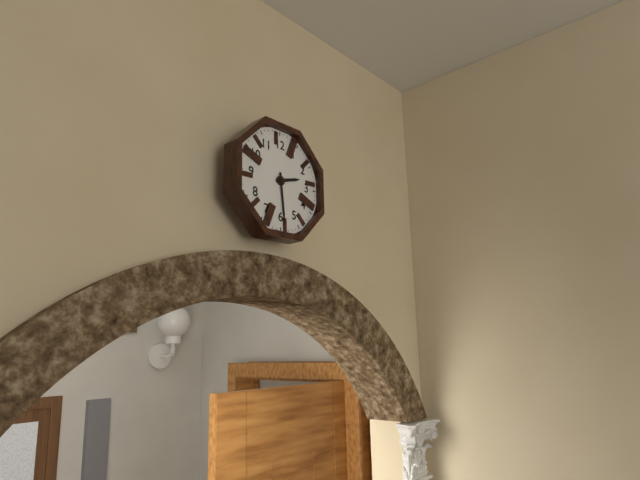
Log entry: 2:29
